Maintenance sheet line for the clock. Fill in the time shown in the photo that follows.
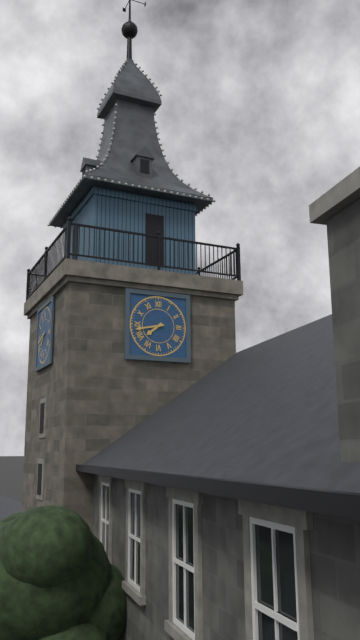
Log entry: 7:43
